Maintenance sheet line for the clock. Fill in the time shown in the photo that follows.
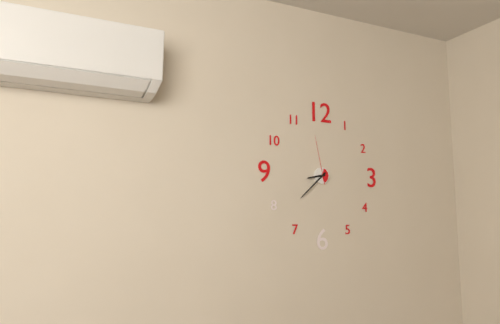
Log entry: 8:38:58
